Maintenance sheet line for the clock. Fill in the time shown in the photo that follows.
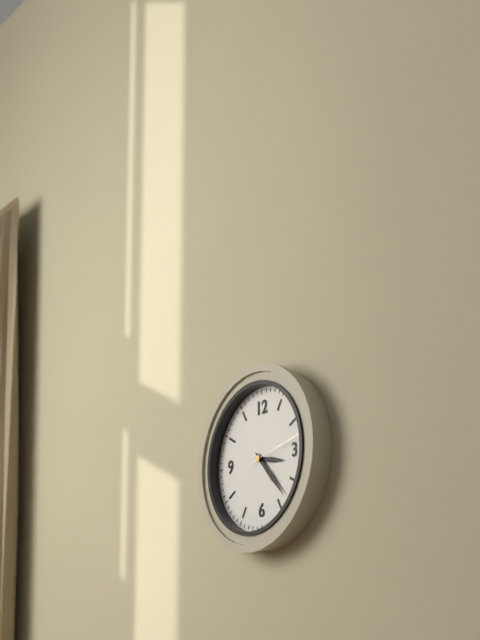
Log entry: 3:23:13
